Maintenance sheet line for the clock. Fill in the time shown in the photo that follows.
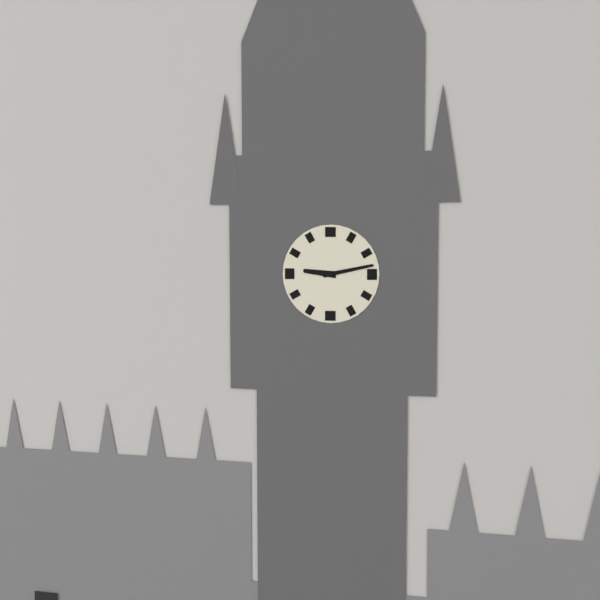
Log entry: 9:13
